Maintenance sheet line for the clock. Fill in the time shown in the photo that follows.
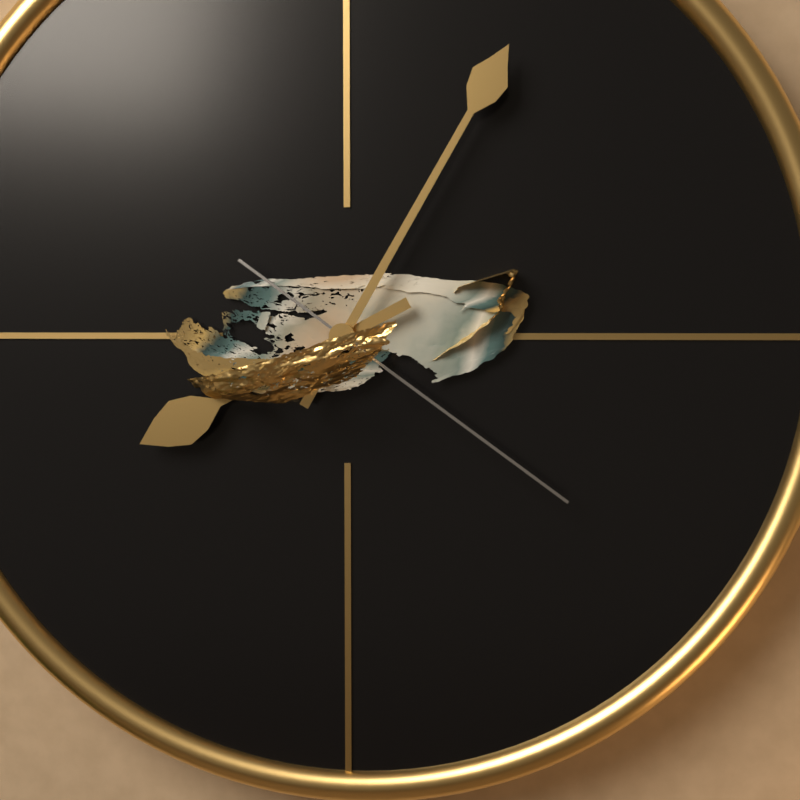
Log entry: 8:05:21
